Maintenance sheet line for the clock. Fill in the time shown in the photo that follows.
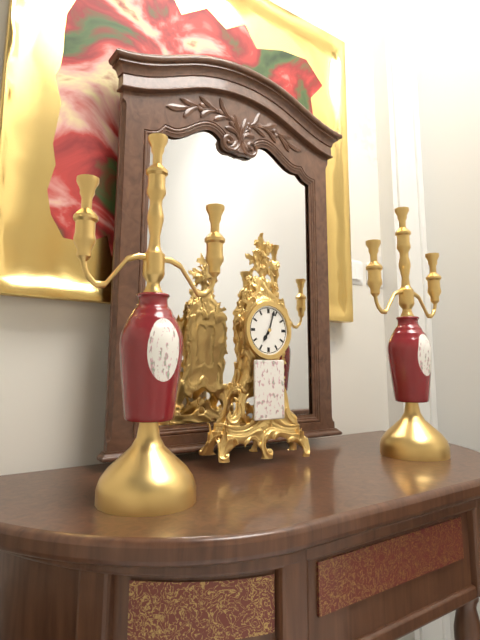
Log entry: 7:03
